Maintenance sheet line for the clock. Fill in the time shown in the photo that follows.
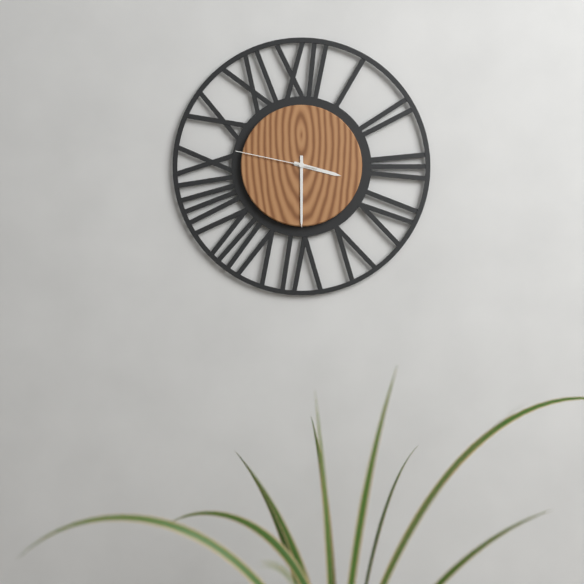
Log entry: 3:30:47
